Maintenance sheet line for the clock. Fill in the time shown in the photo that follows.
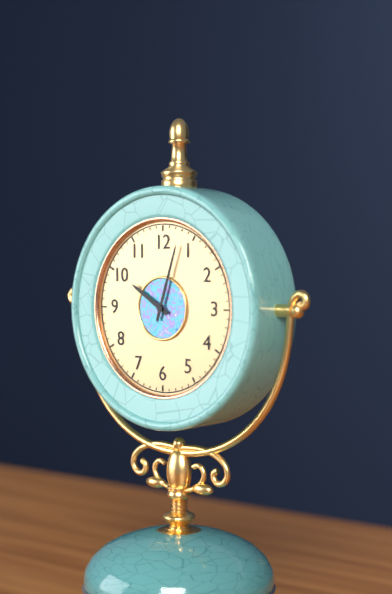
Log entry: 10:03
